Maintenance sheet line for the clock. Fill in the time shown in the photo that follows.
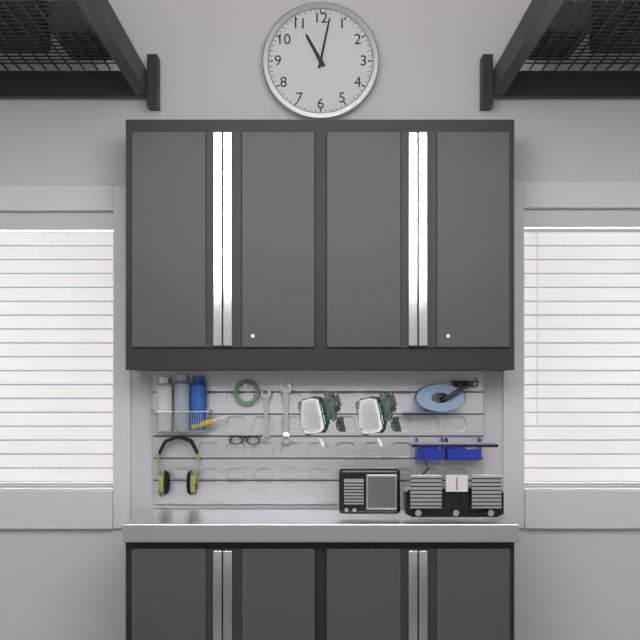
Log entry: 11:02
